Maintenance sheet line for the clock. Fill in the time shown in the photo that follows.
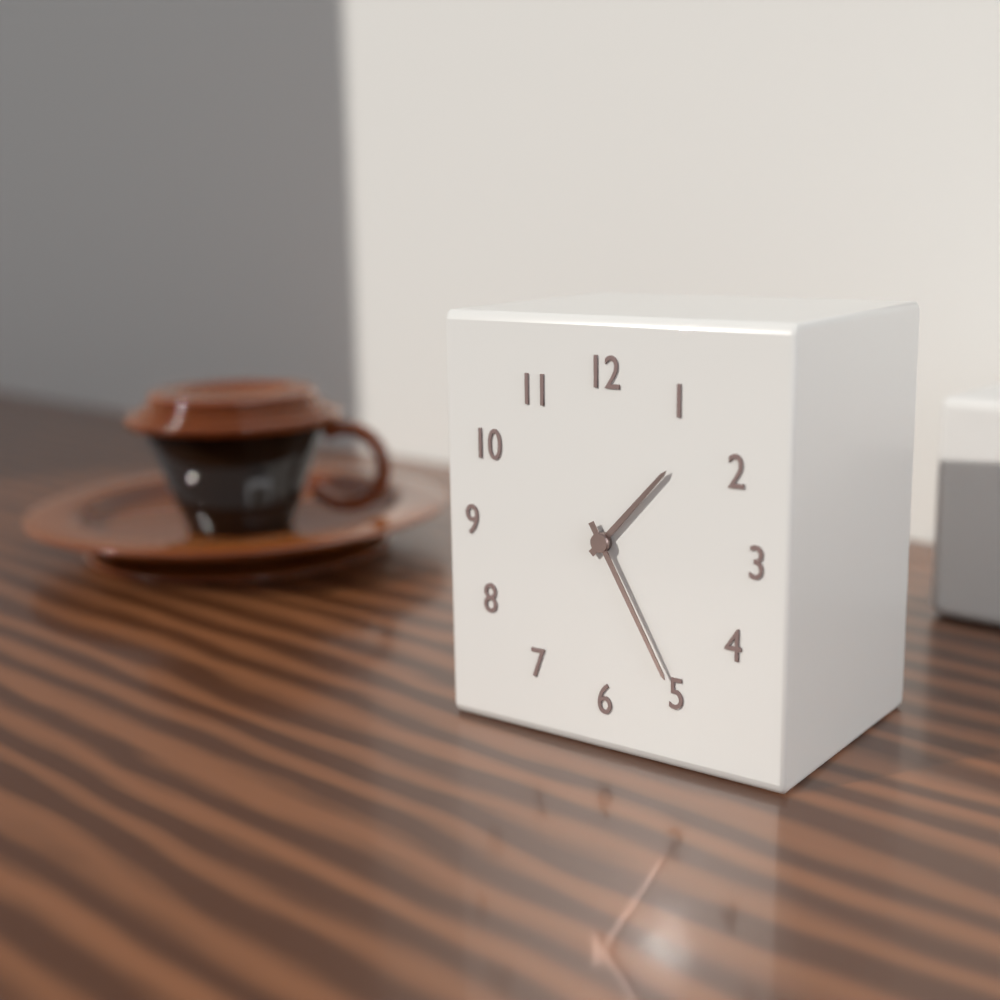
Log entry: 1:25
